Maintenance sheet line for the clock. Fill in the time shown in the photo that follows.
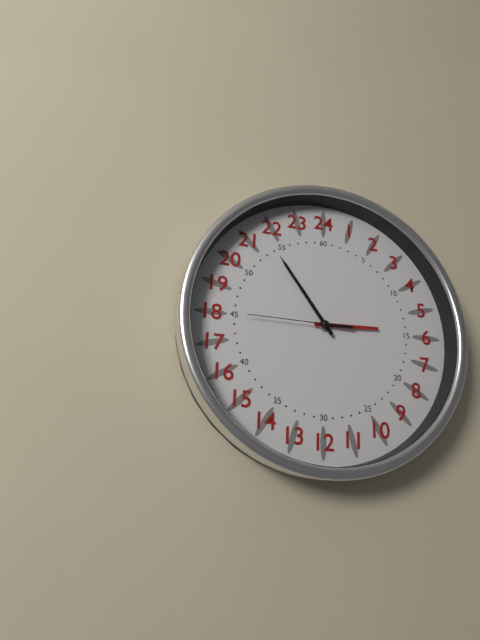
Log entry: 2:54:45
